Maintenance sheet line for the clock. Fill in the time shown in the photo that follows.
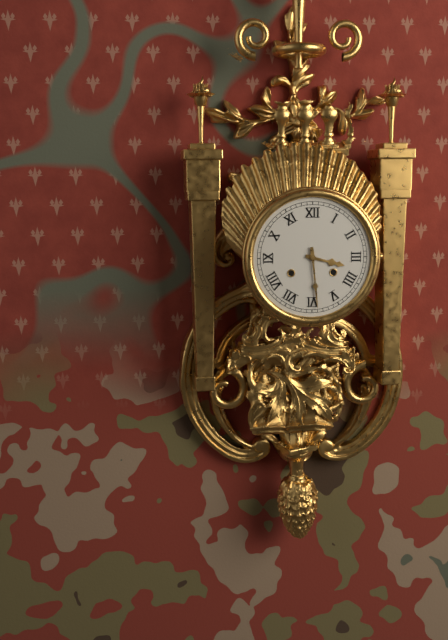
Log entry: 3:29
